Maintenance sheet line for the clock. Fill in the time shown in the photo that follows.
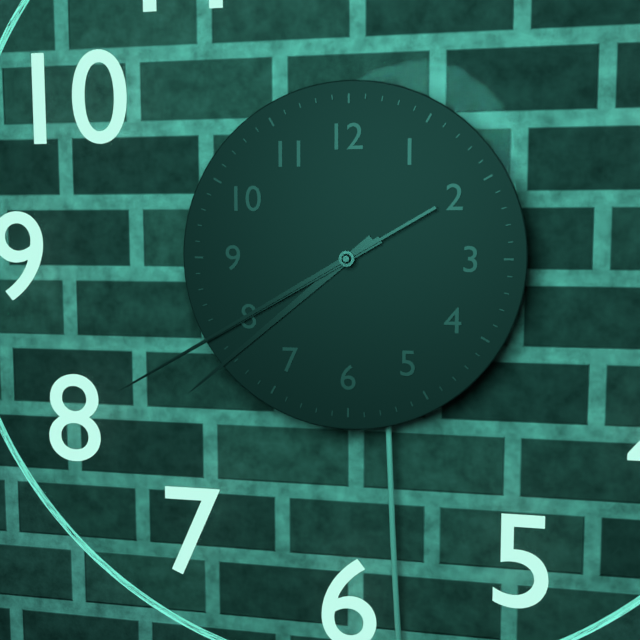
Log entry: 7:40:40
